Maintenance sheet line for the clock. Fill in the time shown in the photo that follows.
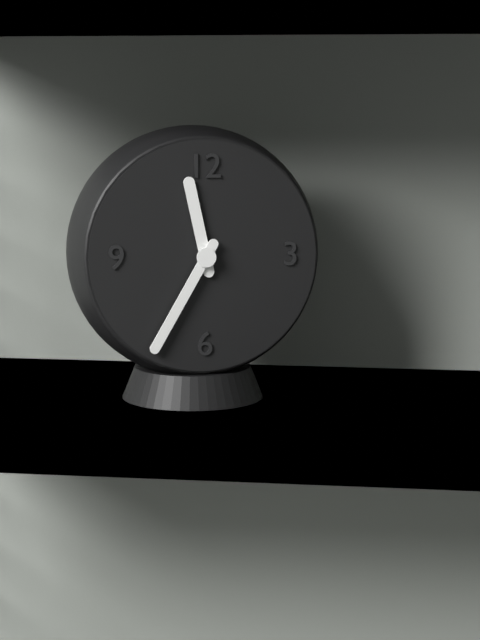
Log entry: 11:35
